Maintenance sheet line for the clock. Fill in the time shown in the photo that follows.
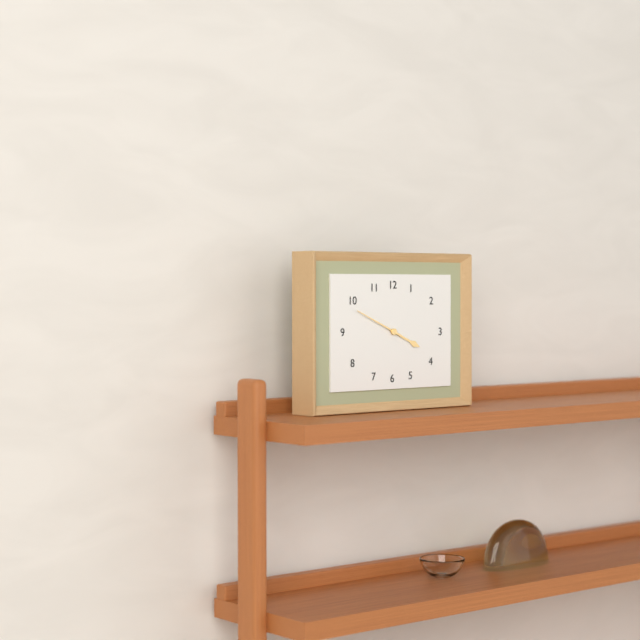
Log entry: 3:49
